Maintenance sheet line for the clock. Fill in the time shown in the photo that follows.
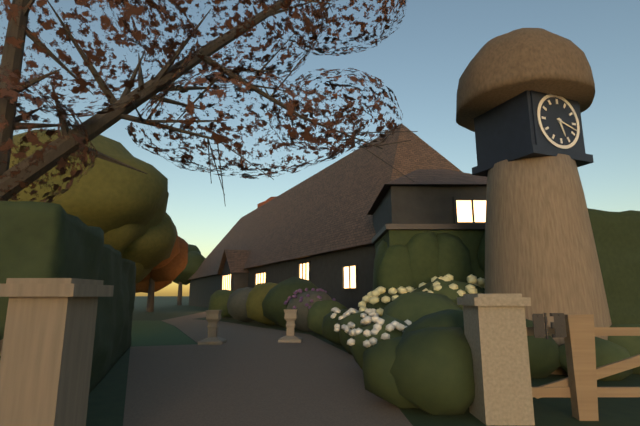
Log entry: 5:18
